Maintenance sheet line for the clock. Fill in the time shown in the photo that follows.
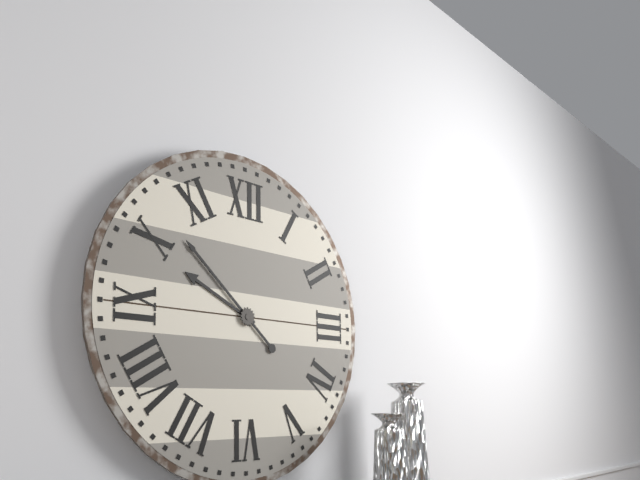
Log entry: 9:52
